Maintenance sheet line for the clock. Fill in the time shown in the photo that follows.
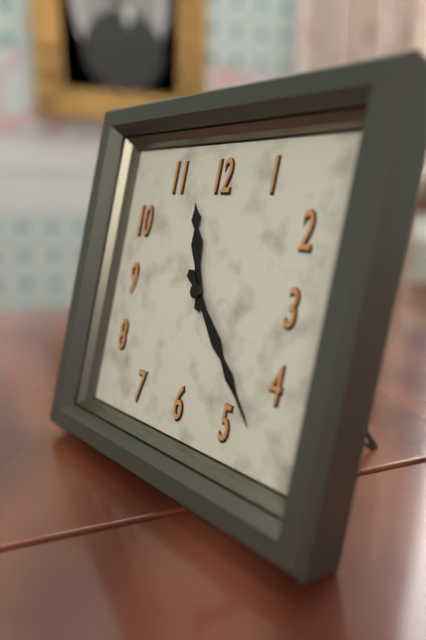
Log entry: 11:23
